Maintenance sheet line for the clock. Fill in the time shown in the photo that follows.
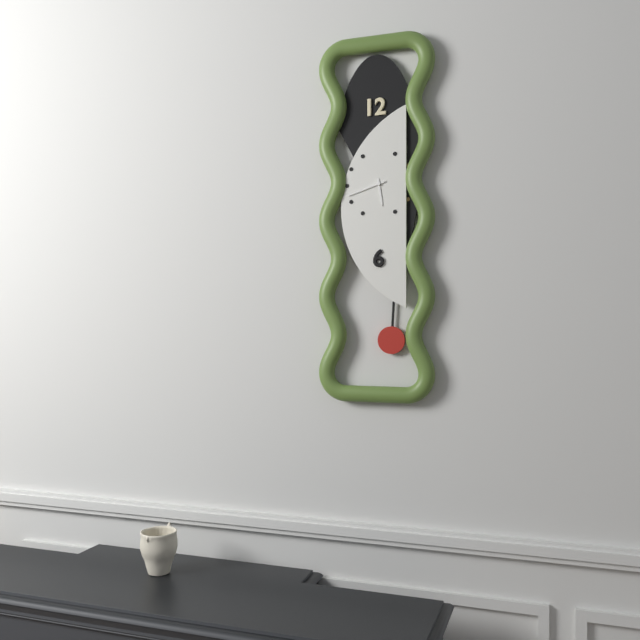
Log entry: 5:42
